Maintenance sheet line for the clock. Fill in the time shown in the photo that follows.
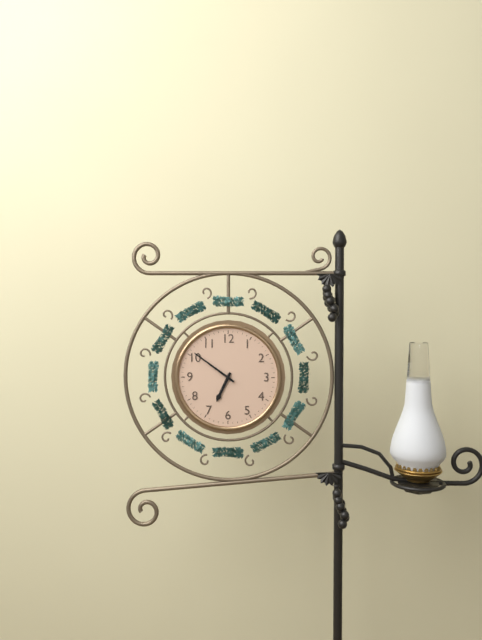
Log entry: 6:51
